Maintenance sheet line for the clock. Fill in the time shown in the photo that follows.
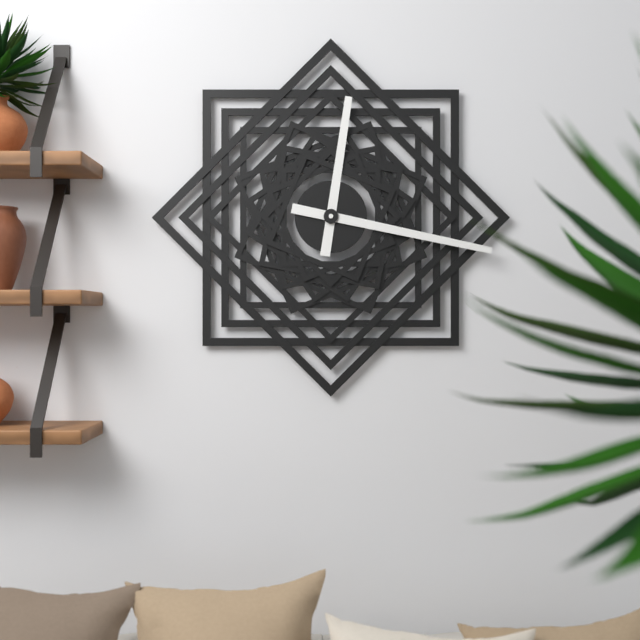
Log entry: 12:17
